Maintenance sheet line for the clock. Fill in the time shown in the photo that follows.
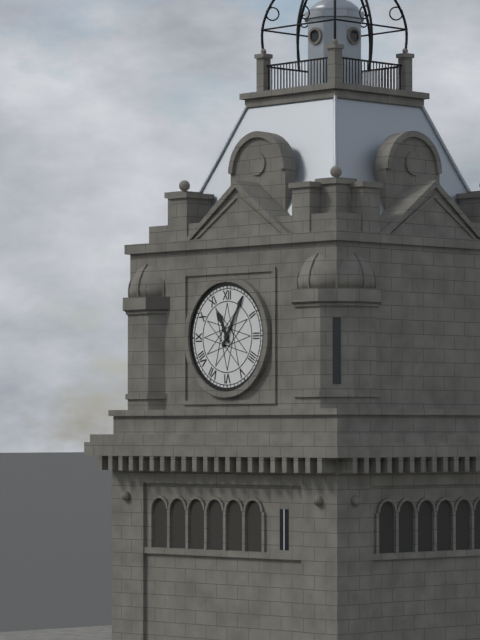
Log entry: 11:05
